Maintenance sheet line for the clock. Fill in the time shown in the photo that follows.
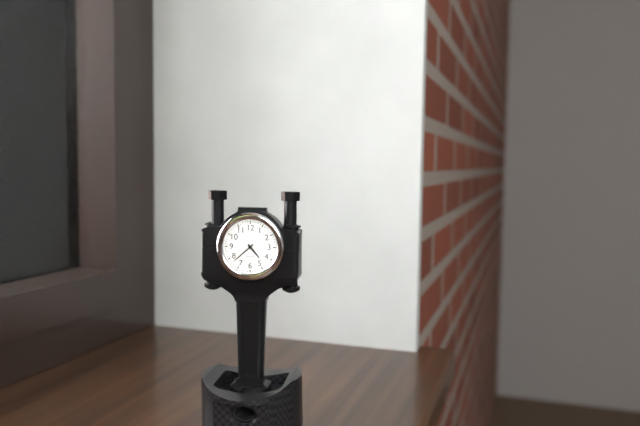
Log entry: 4:38
